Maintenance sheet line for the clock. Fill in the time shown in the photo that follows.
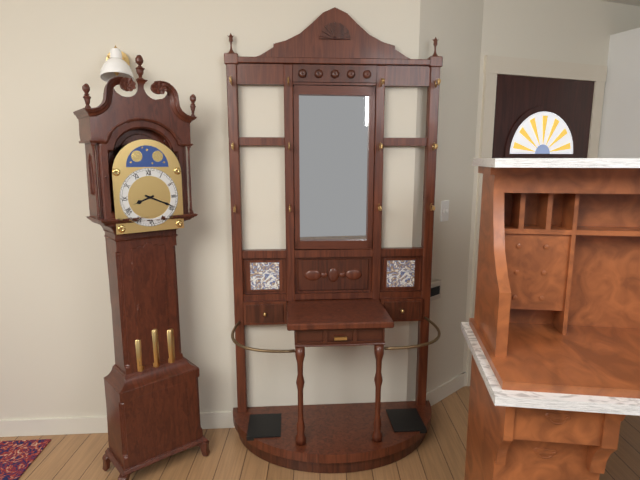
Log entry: 8:19
